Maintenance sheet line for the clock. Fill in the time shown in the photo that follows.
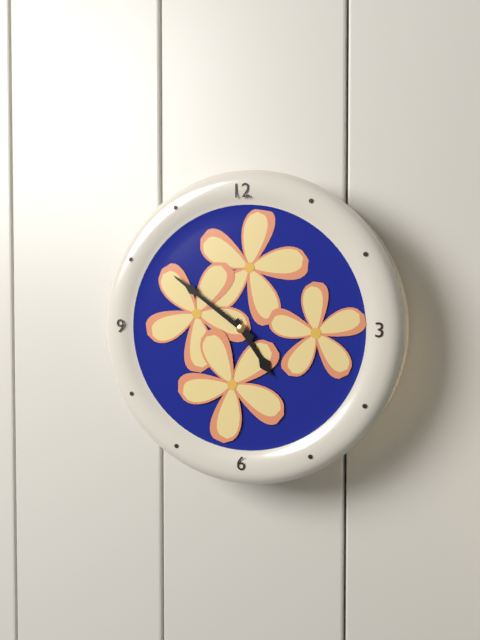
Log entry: 4:51
